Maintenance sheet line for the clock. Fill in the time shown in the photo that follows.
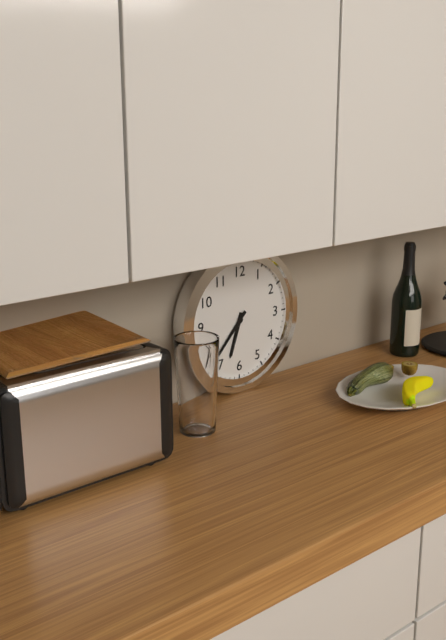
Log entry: 6:37
